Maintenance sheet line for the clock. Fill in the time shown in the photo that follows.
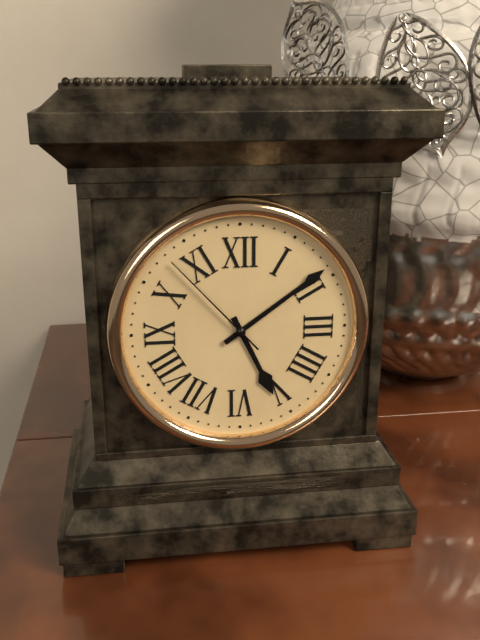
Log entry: 5:09:53
